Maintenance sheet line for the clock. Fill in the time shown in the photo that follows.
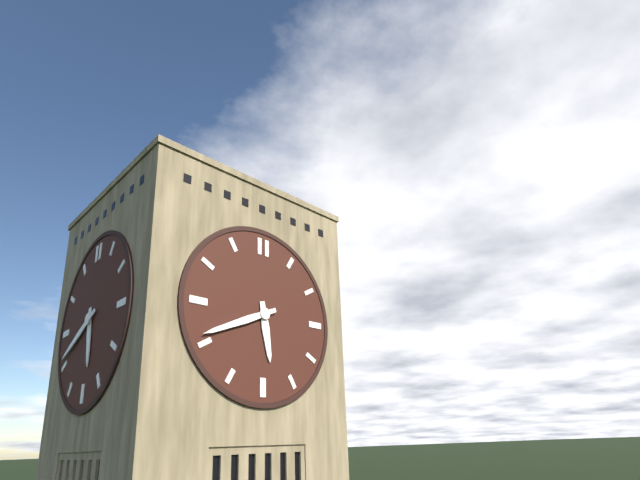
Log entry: 5:41
